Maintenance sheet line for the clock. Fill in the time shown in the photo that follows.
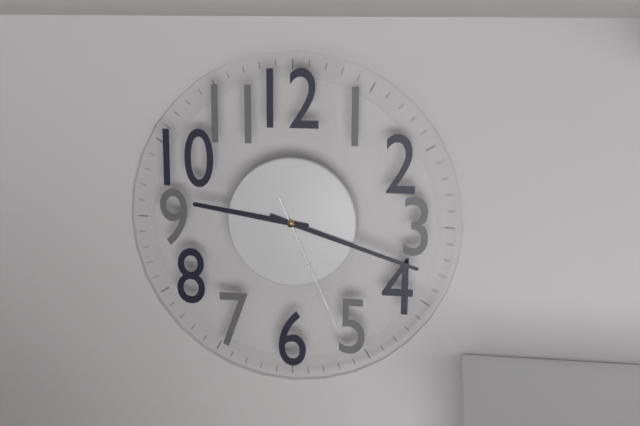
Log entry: 9:18:26
